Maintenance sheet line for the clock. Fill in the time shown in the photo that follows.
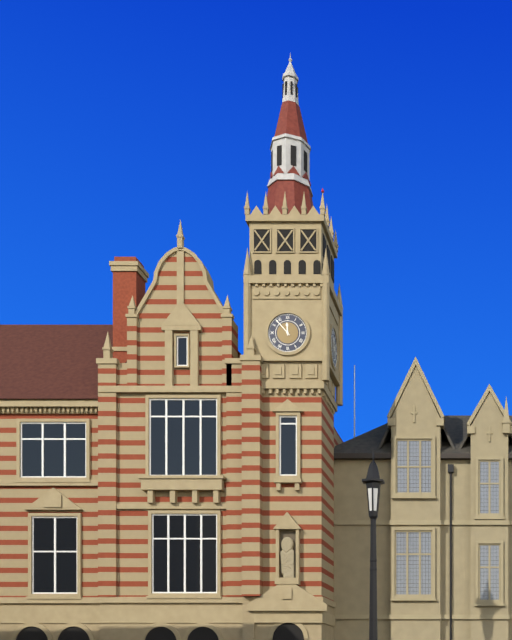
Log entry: 11:53
